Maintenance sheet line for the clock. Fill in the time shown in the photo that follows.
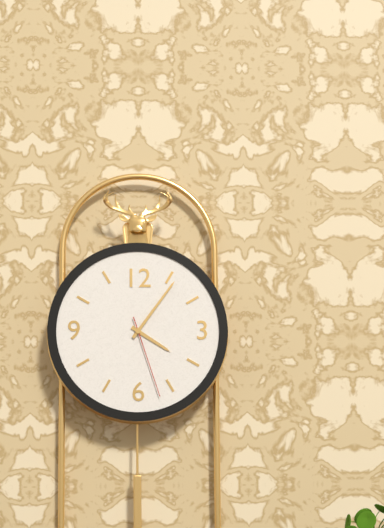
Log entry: 4:06:27
